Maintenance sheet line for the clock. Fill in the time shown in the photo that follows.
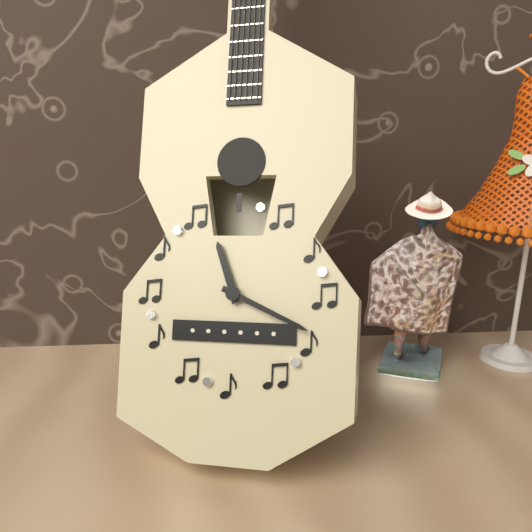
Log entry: 11:19
